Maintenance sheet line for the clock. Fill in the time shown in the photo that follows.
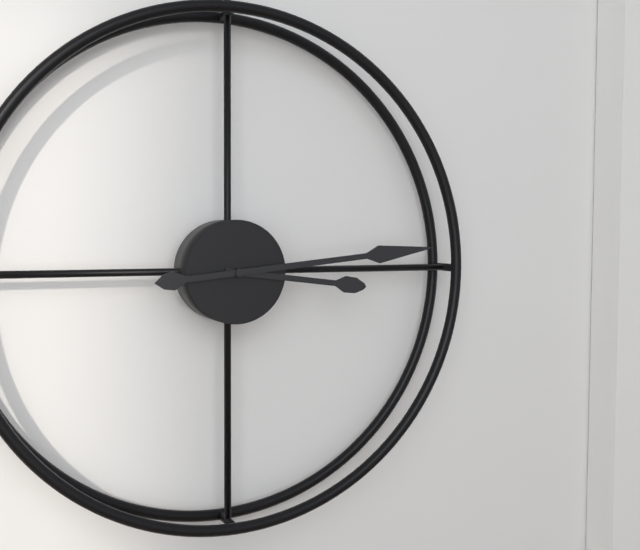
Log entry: 3:14
